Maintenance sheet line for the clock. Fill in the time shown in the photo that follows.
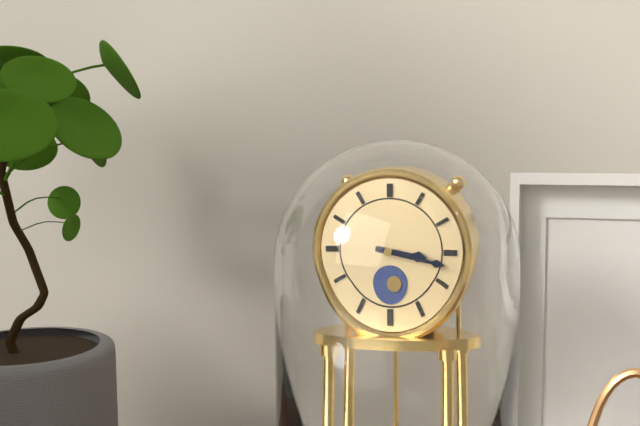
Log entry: 3:17
